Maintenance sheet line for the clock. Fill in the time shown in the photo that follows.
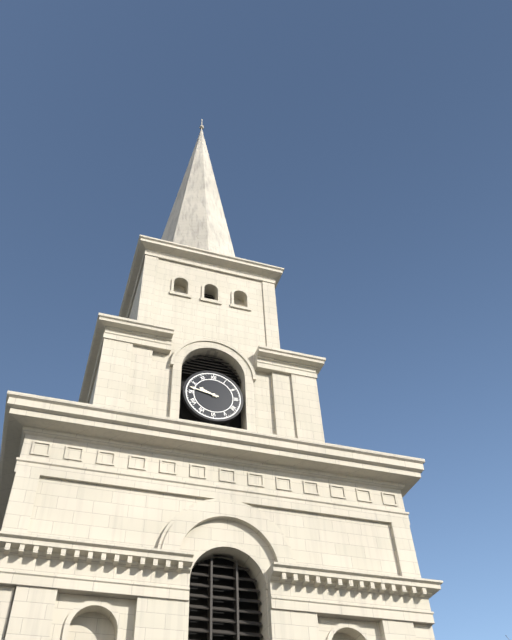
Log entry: 9:47
